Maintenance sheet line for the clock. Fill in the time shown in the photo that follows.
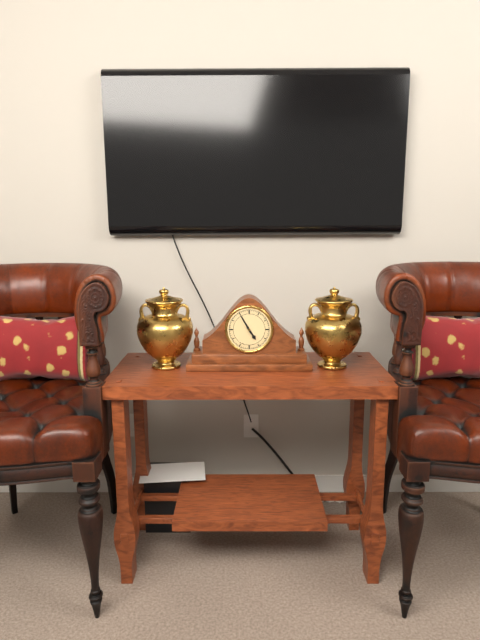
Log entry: 4:55
